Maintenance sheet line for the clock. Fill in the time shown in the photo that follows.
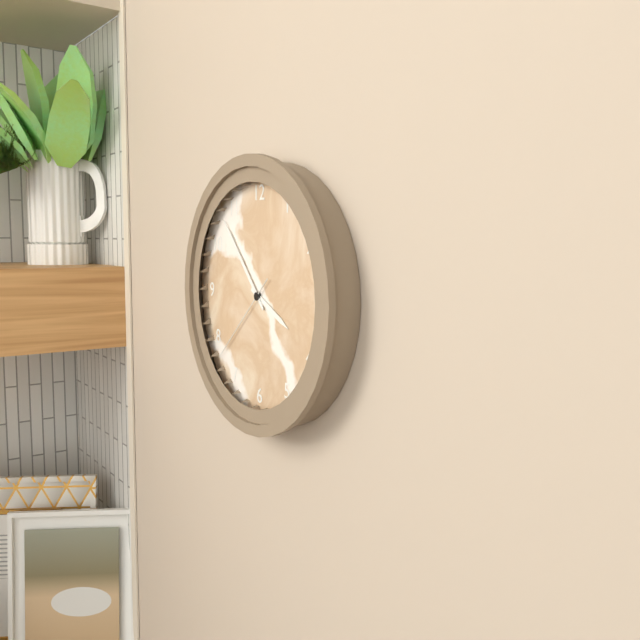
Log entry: 3:53:38
